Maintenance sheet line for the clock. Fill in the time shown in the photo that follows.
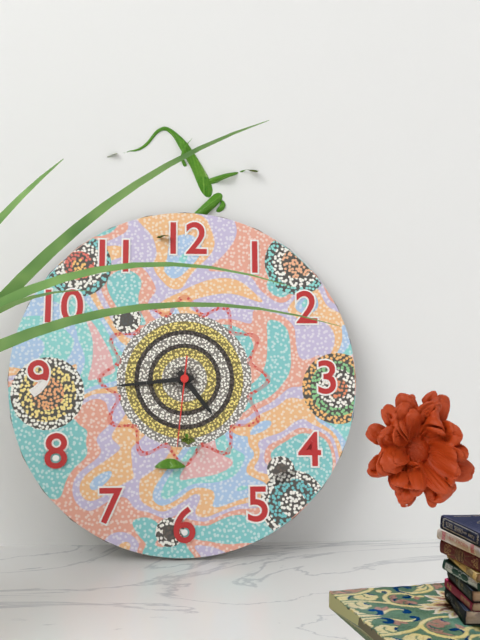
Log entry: 4:44:31
